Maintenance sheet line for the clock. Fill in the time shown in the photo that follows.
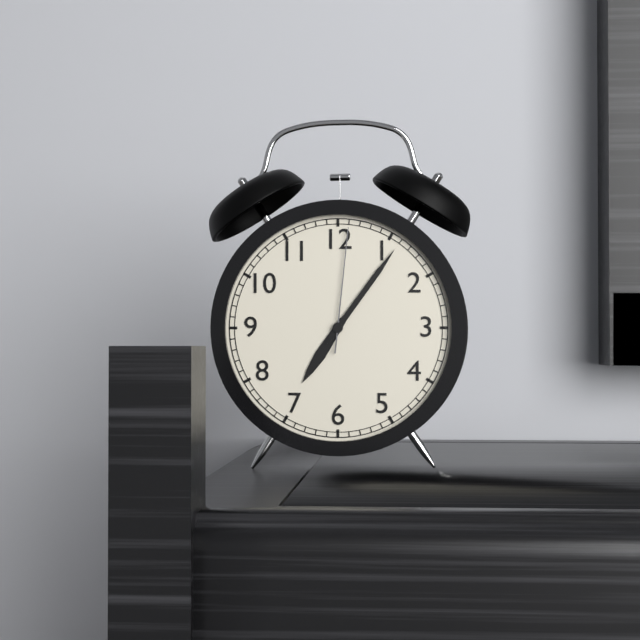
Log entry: 7:06:01
